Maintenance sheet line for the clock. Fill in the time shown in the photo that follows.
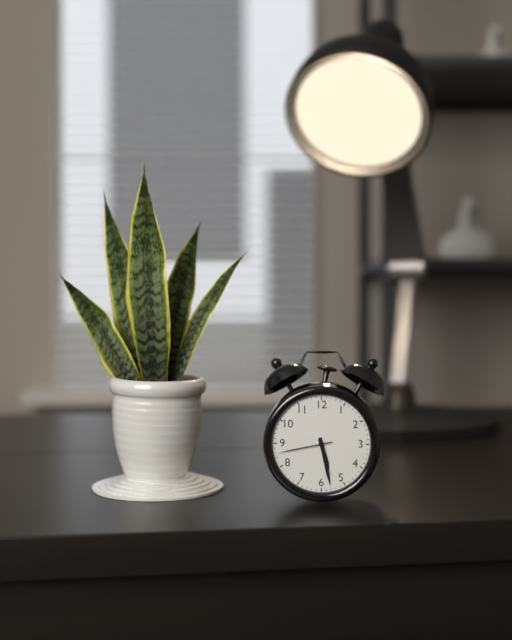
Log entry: 5:28:43
